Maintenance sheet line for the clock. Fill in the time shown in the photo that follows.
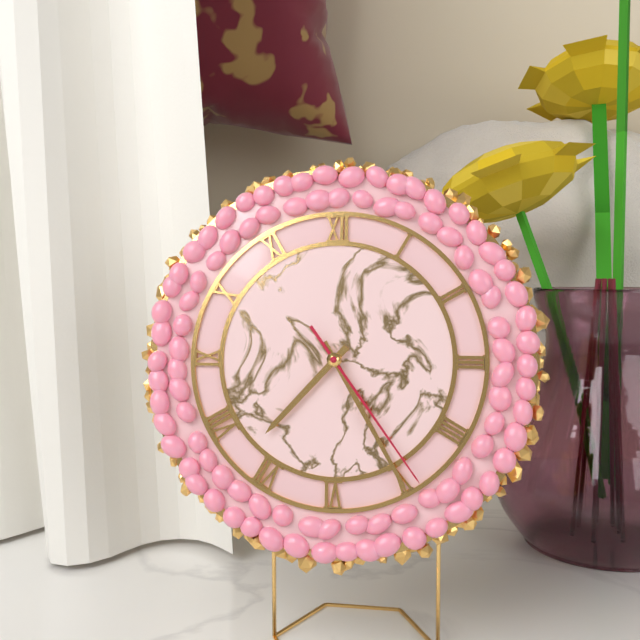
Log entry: 7:25:24
